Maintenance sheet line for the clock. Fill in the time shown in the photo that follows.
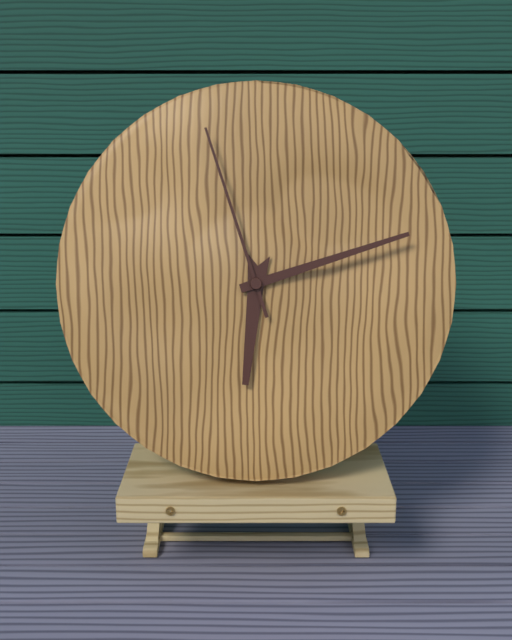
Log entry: 6:12:57
